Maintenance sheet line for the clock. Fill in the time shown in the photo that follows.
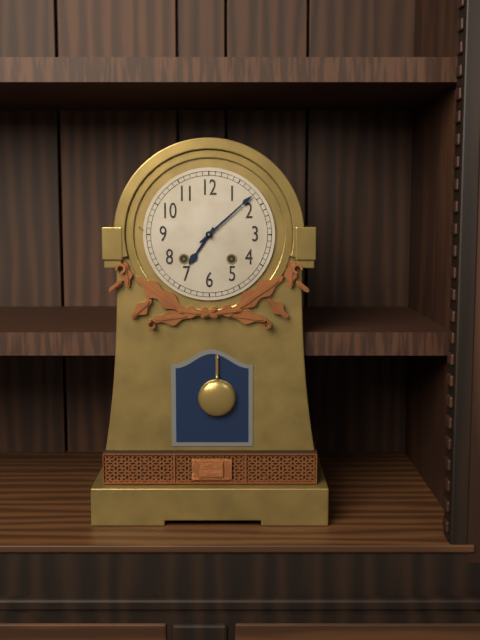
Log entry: 7:08
